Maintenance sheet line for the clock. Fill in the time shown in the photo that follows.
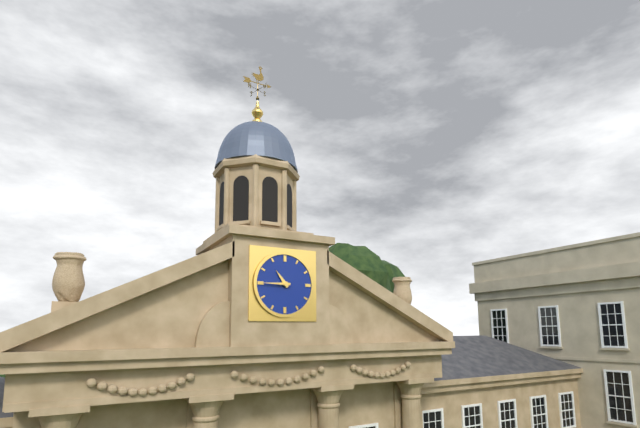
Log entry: 10:45
